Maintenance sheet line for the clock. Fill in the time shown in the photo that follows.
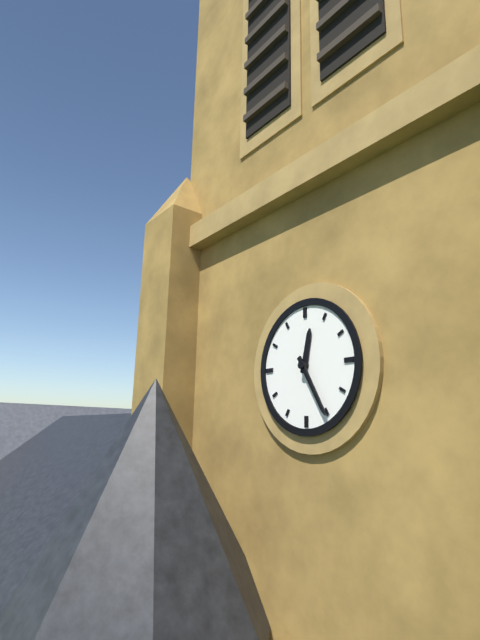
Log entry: 12:25
